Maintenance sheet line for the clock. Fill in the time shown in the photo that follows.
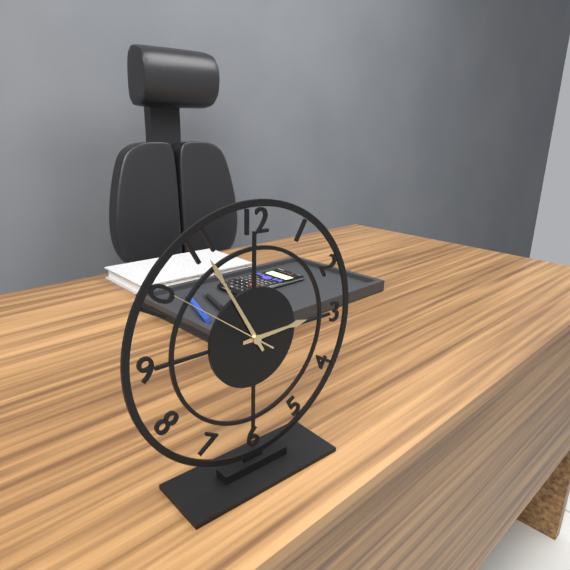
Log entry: 2:55:51
